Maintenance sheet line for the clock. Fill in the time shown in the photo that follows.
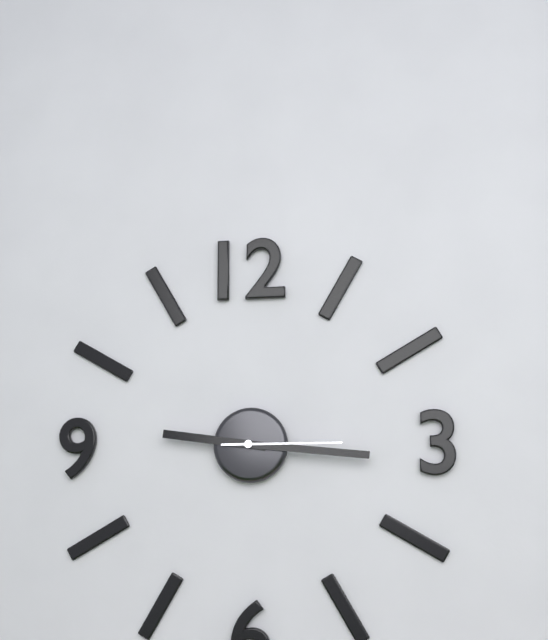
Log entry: 9:16:15
